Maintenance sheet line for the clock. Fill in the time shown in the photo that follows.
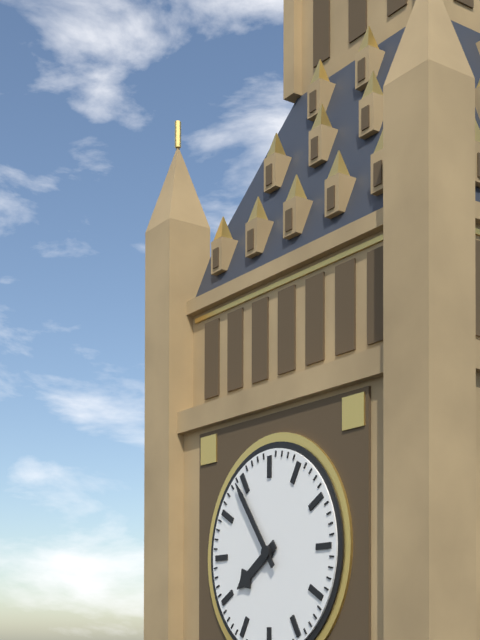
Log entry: 7:54
